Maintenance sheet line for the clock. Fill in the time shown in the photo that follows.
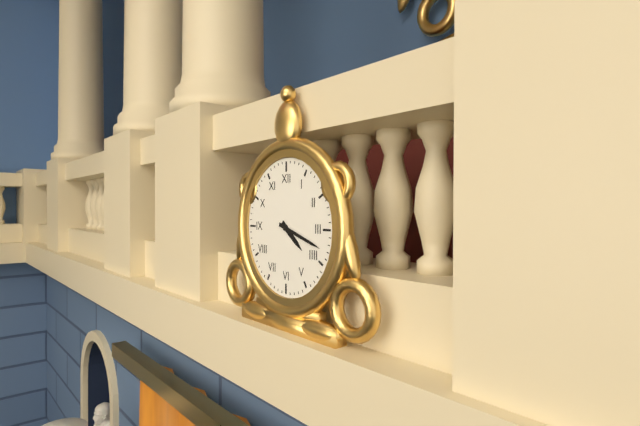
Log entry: 4:18
